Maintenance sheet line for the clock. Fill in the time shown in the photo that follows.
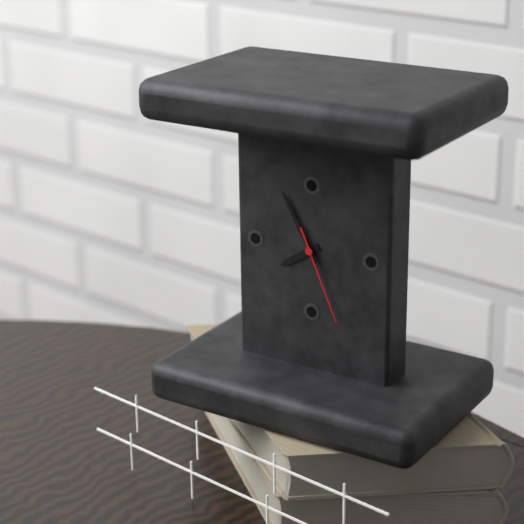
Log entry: 7:55:26
